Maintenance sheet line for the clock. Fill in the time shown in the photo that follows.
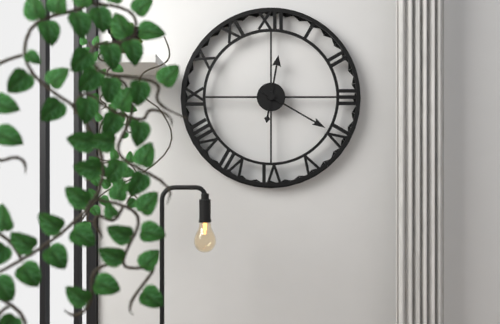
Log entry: 12:20
